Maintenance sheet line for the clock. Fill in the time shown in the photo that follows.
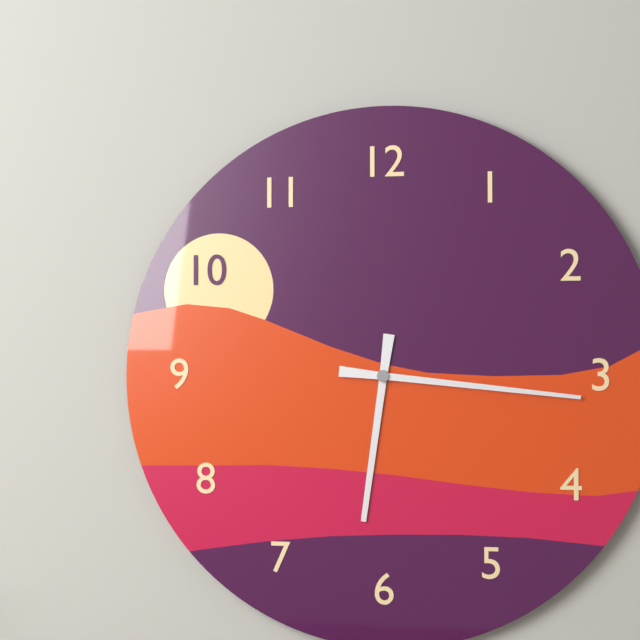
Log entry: 6:16
